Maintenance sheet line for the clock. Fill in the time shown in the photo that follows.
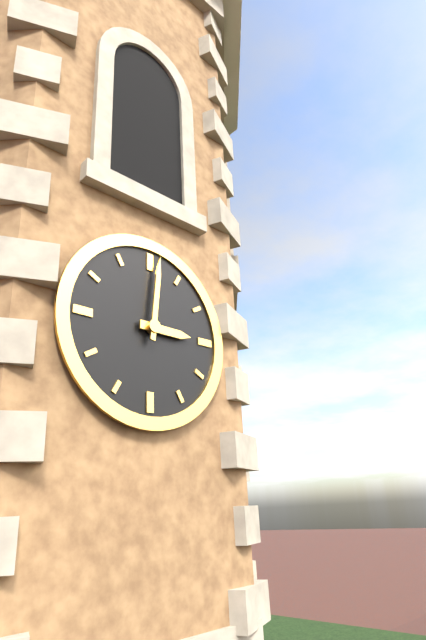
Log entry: 3:01
